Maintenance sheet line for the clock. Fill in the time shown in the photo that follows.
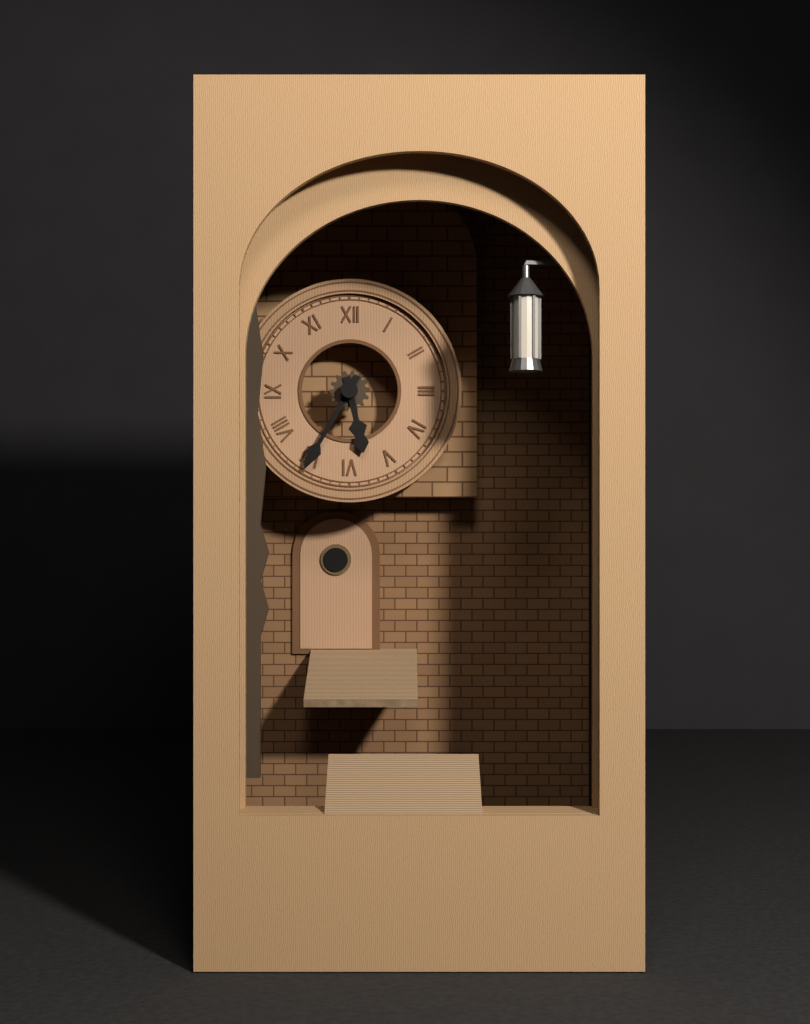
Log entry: 5:35
